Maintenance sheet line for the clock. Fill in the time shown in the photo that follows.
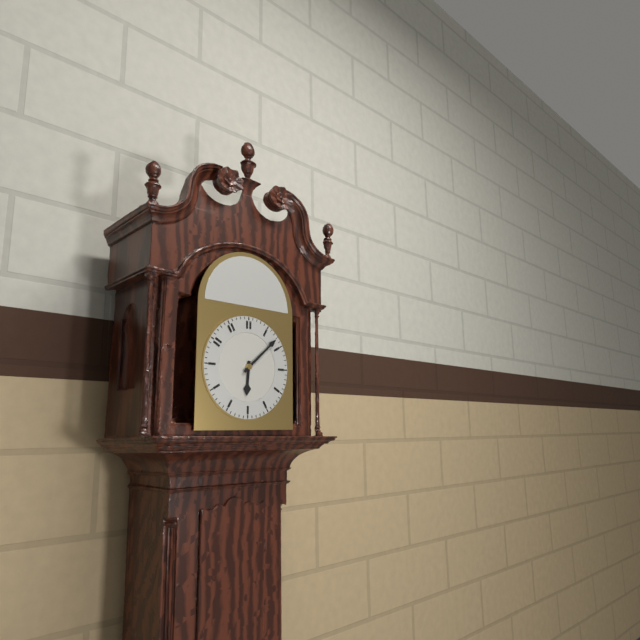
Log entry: 6:08
